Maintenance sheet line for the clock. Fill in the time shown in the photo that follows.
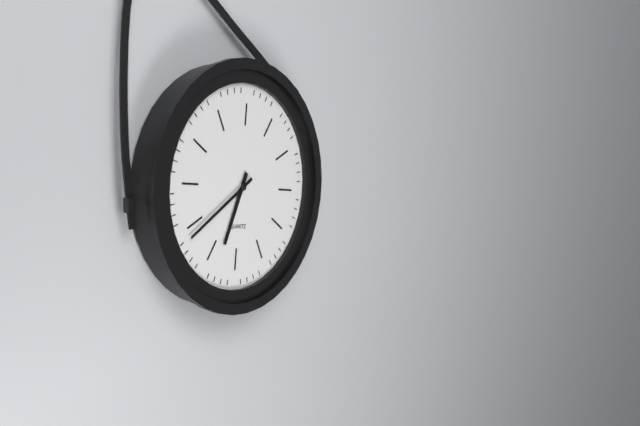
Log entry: 6:39
